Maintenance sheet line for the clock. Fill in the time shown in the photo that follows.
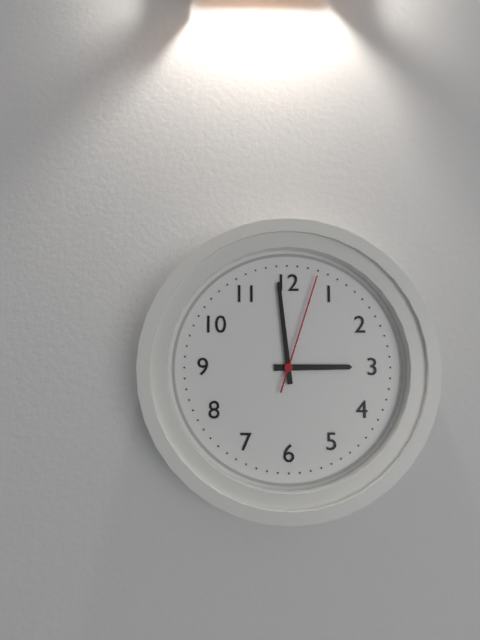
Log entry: 2:59:03
